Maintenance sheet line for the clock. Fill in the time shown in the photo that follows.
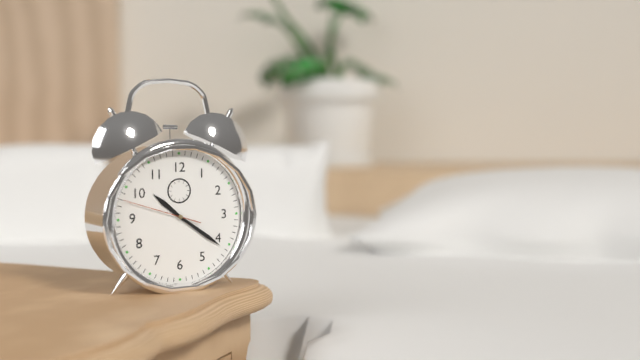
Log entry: 10:21:48
